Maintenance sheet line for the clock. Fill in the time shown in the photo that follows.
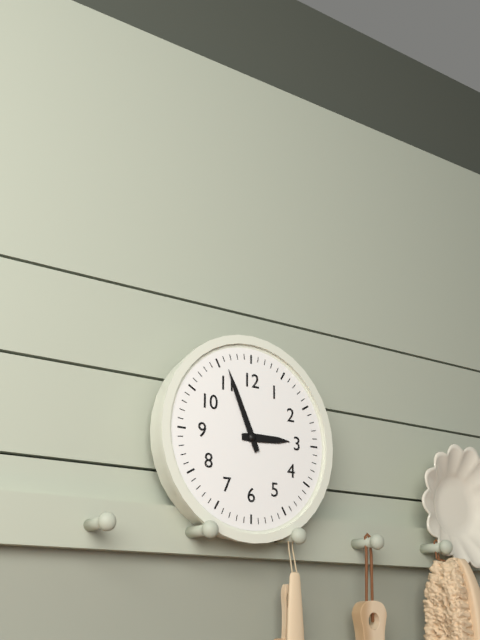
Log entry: 2:56
